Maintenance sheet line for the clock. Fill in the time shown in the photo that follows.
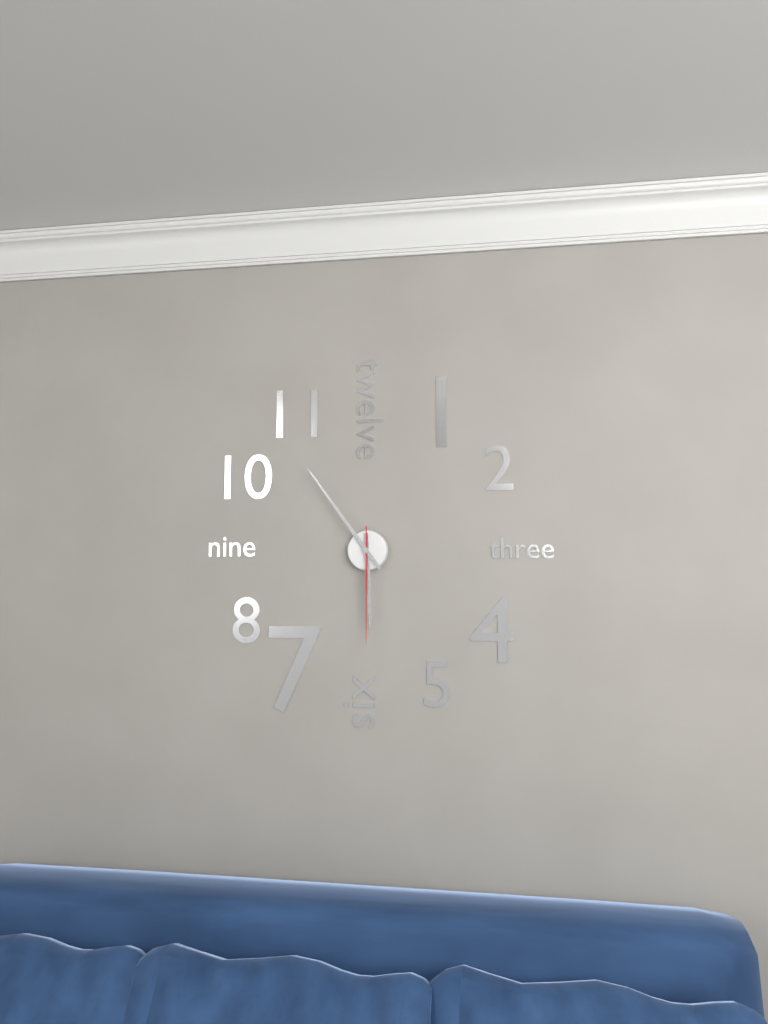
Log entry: 5:54:30
